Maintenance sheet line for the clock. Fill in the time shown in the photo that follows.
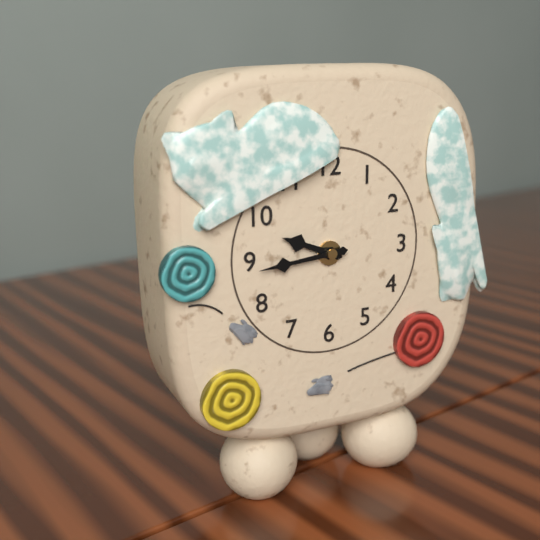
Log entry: 9:44
